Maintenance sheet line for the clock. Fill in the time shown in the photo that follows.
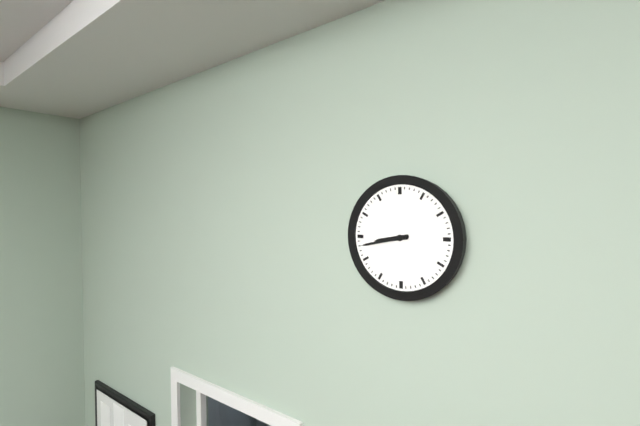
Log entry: 8:43
